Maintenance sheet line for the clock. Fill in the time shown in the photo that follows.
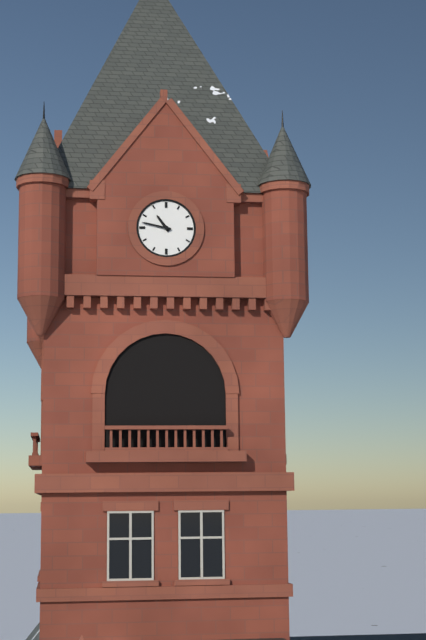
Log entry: 10:47
